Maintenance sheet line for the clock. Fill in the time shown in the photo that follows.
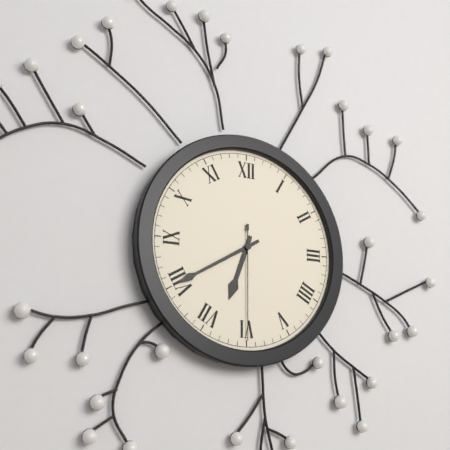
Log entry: 6:40:30
